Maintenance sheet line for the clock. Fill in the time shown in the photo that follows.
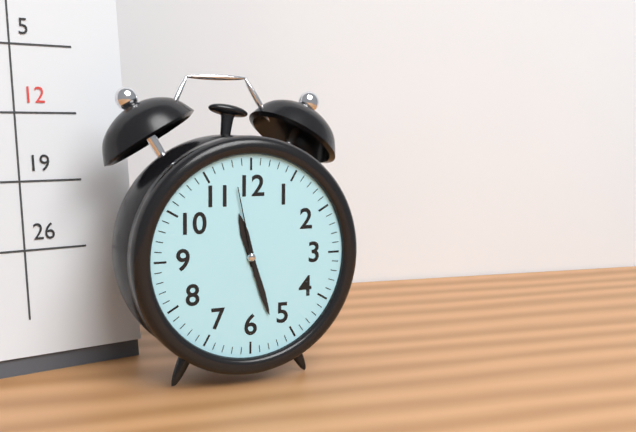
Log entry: 11:27:58
